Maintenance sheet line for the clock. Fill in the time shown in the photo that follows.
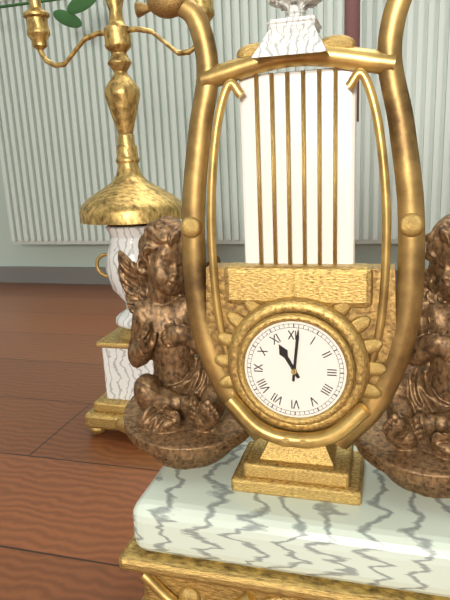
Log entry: 11:01
